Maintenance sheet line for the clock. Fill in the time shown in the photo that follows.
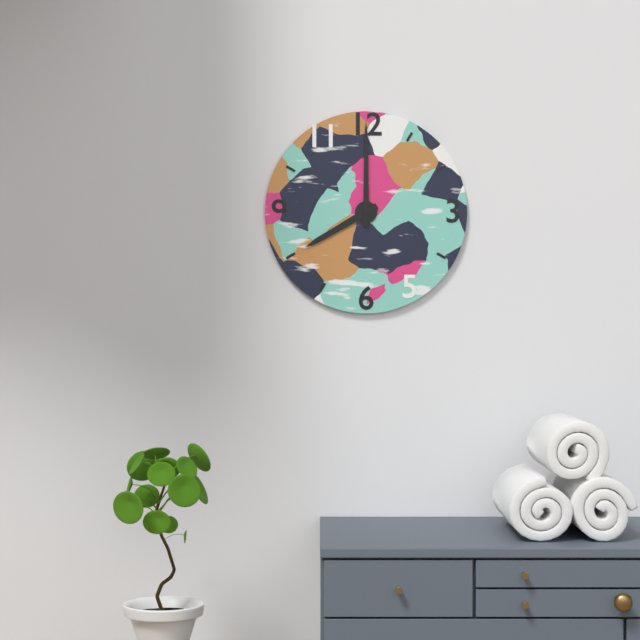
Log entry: 8:00
